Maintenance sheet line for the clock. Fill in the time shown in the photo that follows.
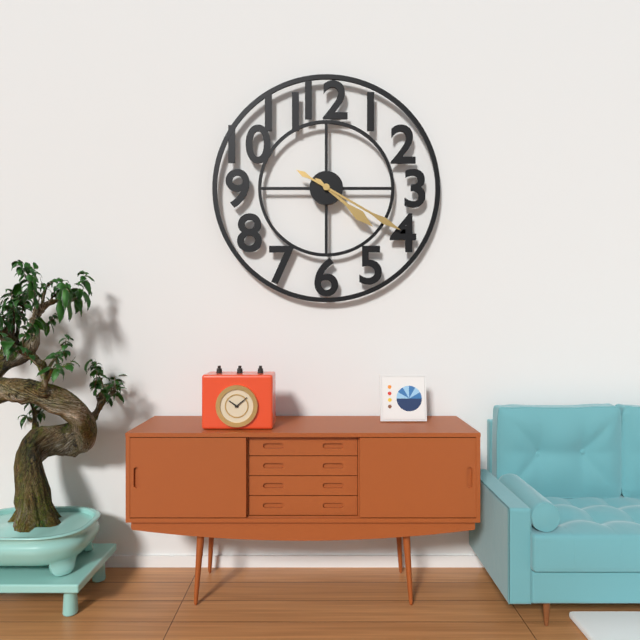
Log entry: 4:20
